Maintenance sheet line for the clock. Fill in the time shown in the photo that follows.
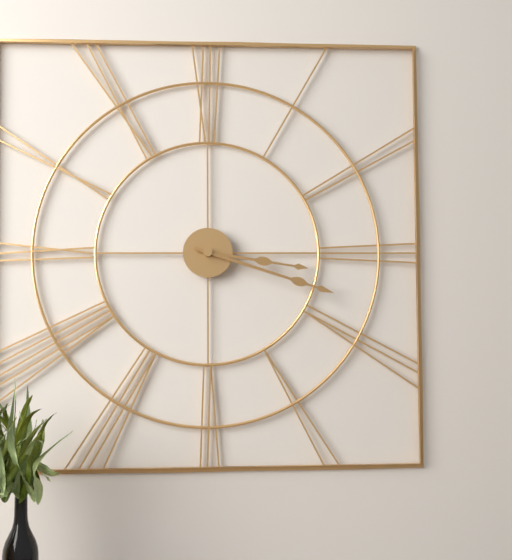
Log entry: 3:18
